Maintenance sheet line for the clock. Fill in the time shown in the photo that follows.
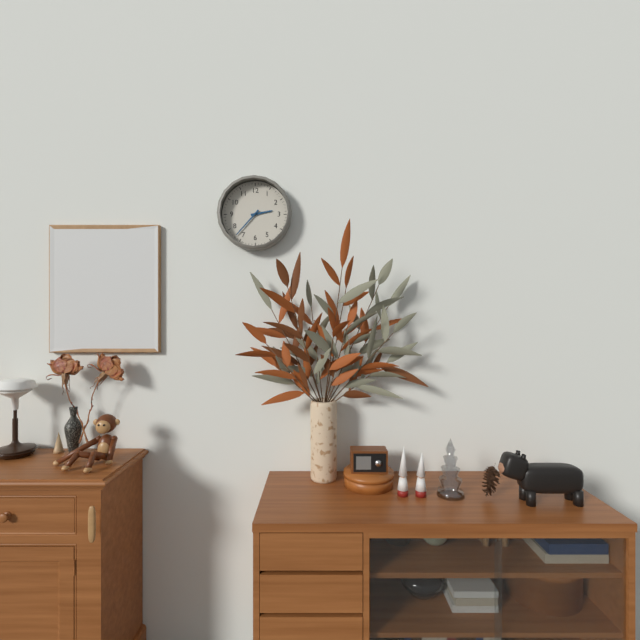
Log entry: 2:37
